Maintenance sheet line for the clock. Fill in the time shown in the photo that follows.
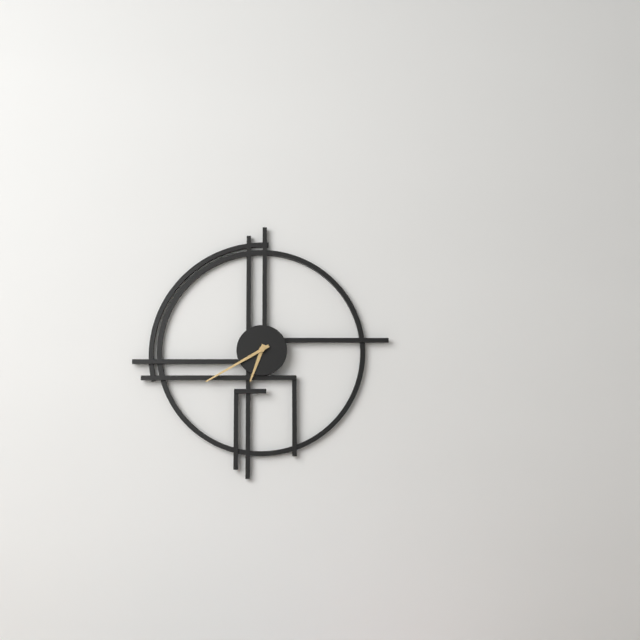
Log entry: 6:40
